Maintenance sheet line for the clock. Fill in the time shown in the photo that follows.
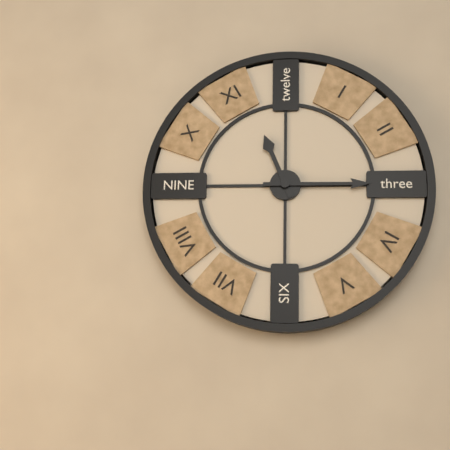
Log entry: 11:15
